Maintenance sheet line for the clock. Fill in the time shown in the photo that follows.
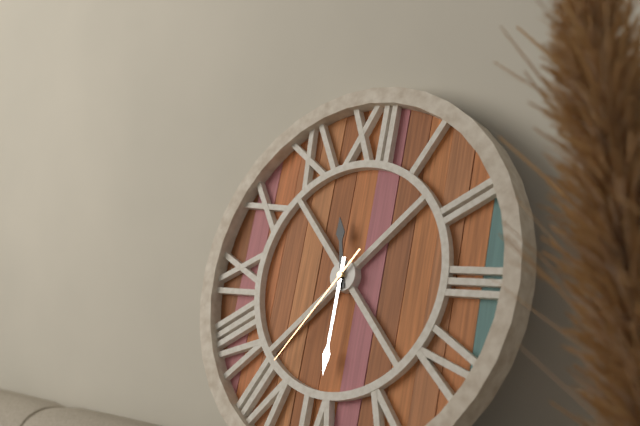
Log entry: 11:30:36
